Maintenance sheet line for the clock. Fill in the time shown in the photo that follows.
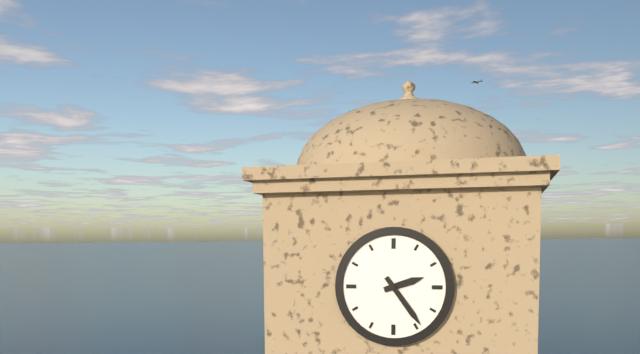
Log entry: 2:24
